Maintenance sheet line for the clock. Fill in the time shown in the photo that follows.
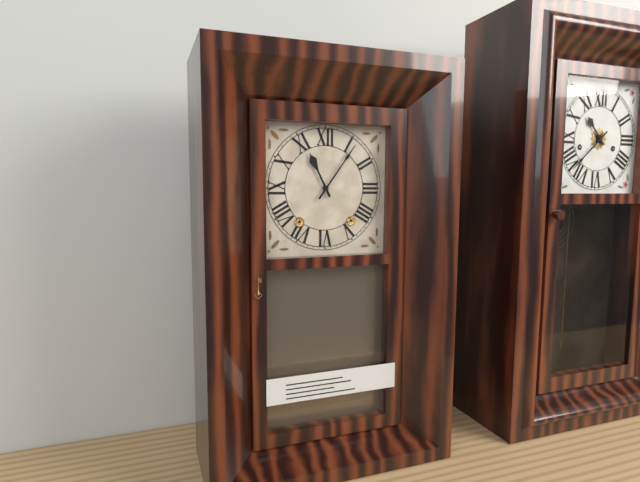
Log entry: 11:06
